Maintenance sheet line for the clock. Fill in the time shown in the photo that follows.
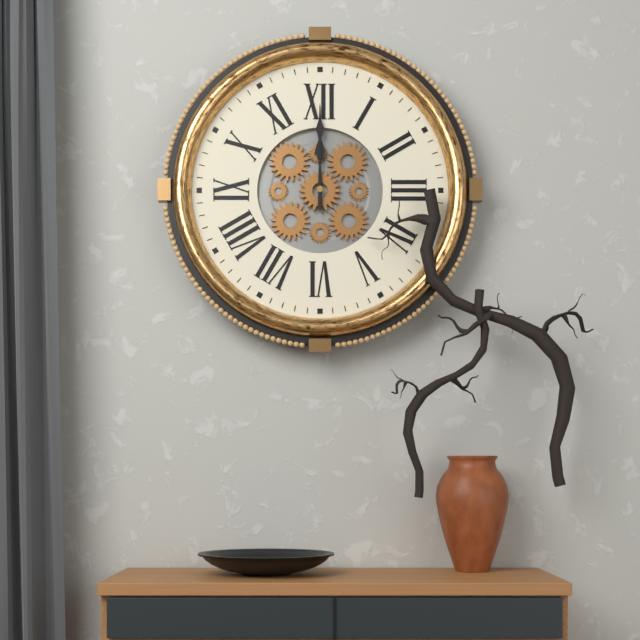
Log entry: 12:00
